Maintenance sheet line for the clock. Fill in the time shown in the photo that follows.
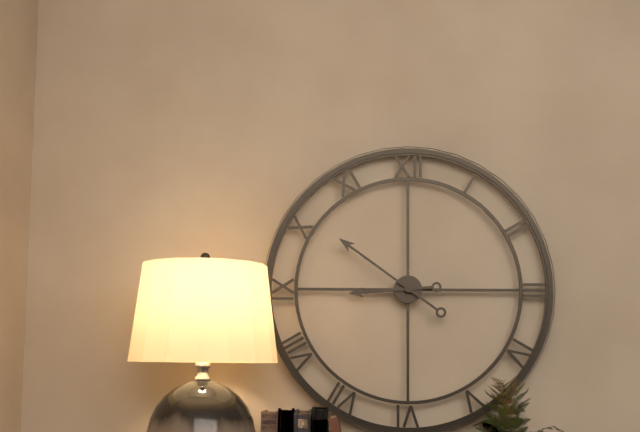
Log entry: 8:51
